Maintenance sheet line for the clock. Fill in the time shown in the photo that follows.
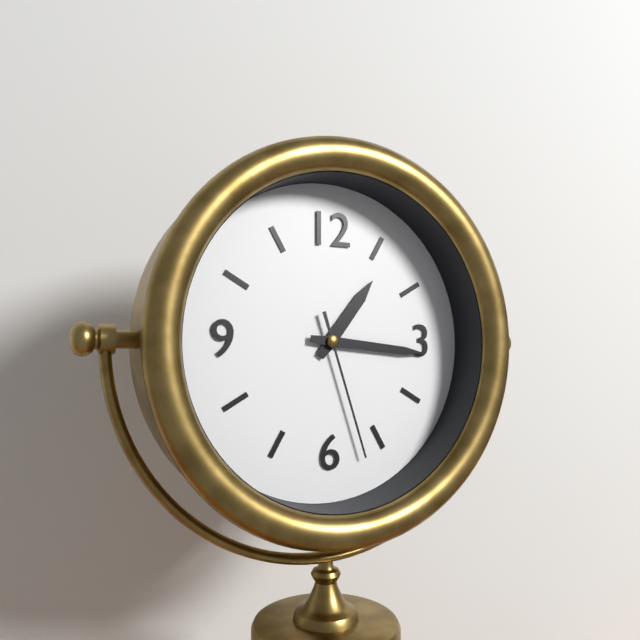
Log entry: 1:16:27
